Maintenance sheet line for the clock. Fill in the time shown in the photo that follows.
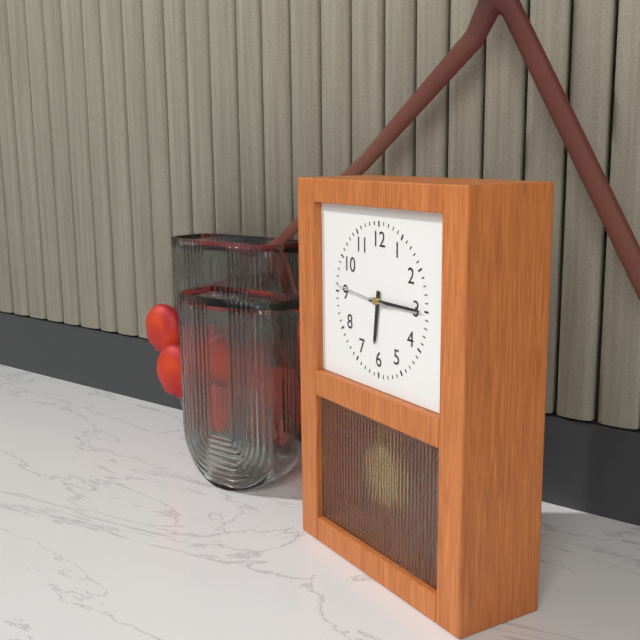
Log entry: 6:15:46
